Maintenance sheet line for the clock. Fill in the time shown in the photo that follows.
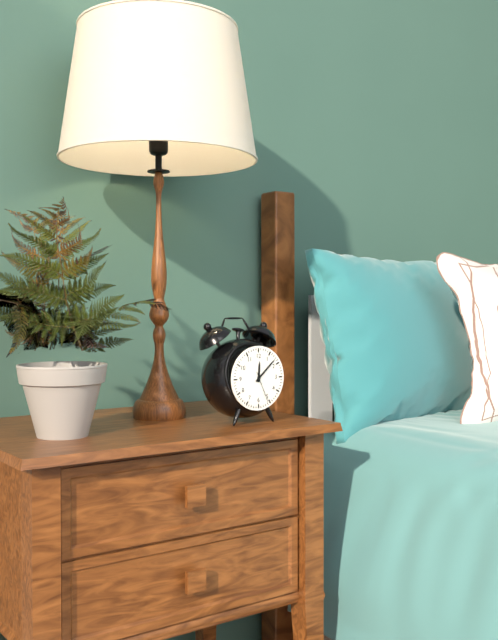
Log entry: 12:08
